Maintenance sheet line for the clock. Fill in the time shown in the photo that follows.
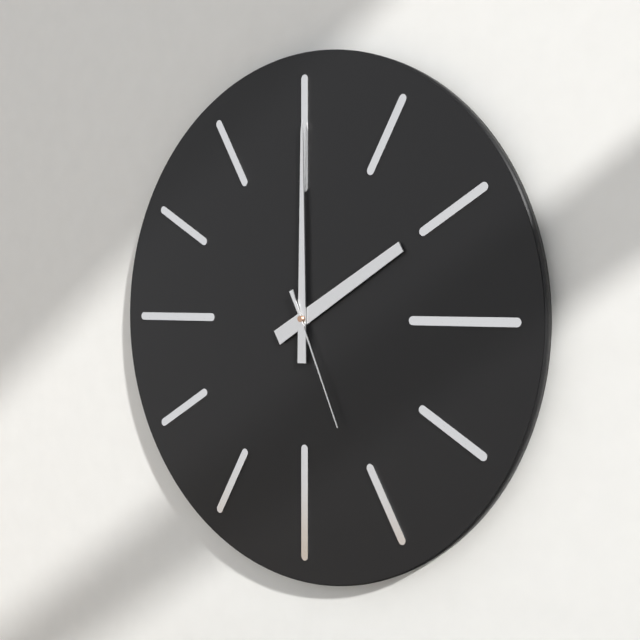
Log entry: 2:00:26
